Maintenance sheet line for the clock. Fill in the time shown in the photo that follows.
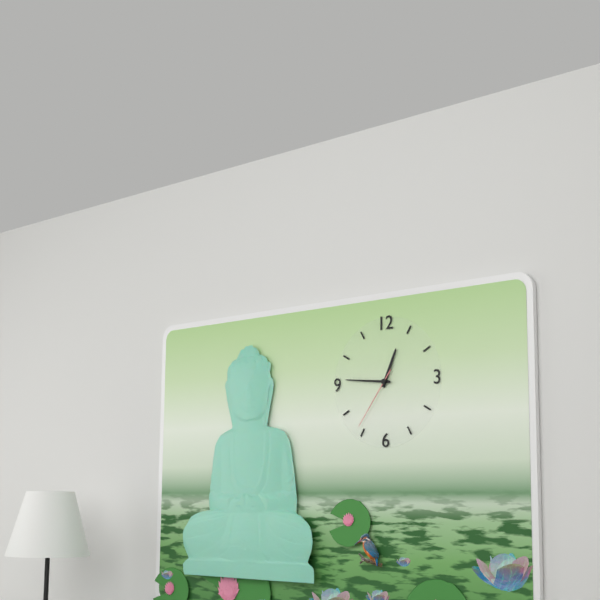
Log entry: 12:46:36
